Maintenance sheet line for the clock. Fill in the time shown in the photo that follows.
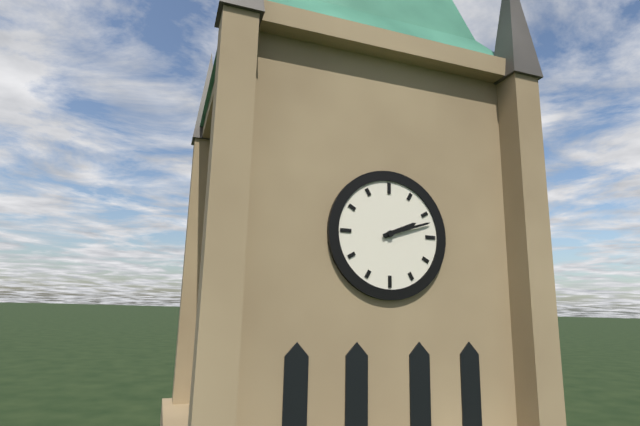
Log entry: 2:12
